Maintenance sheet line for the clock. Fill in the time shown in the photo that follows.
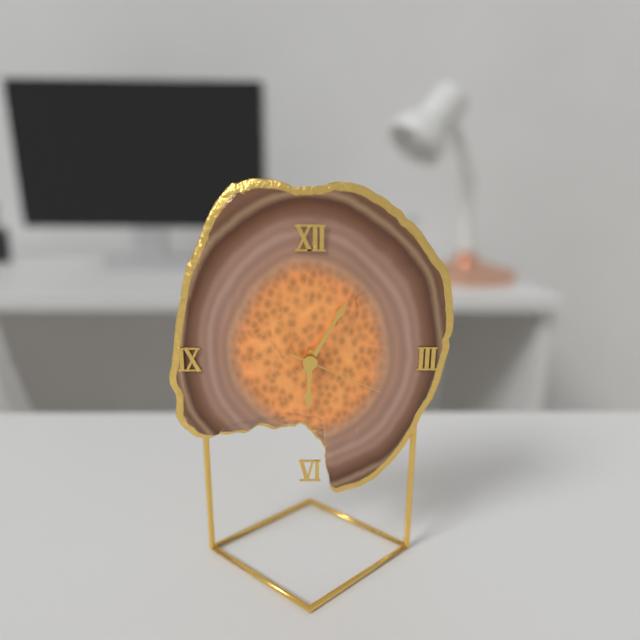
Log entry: 6:05:19
